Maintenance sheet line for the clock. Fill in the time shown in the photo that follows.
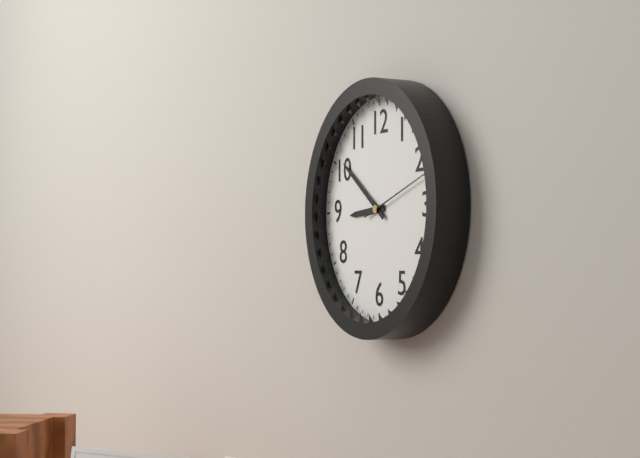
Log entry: 8:51:12
